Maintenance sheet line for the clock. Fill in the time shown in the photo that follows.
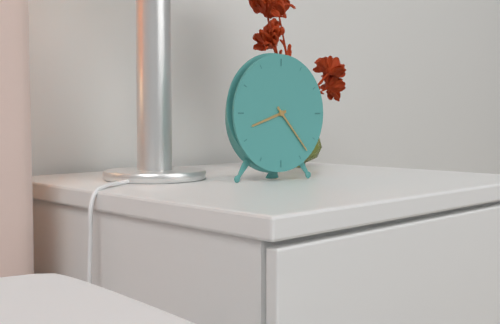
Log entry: 8:23
